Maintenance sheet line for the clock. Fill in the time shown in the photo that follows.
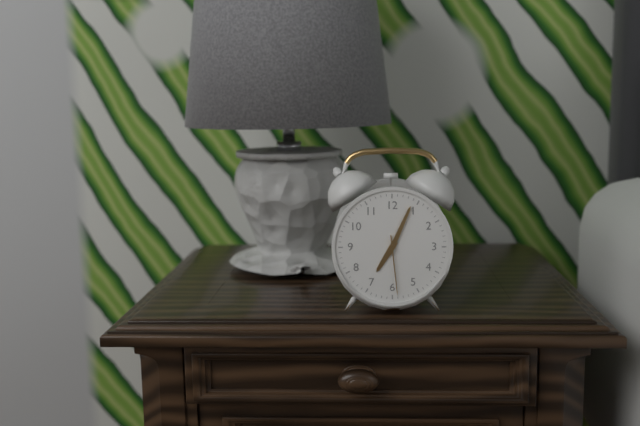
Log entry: 7:04:29
